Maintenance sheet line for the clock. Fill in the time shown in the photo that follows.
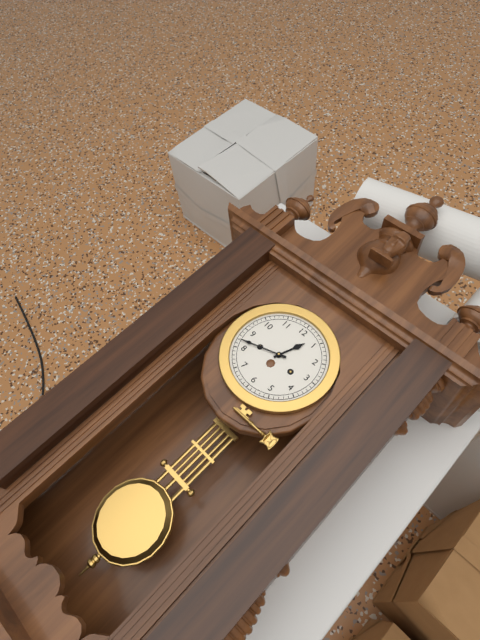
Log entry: 12:42
